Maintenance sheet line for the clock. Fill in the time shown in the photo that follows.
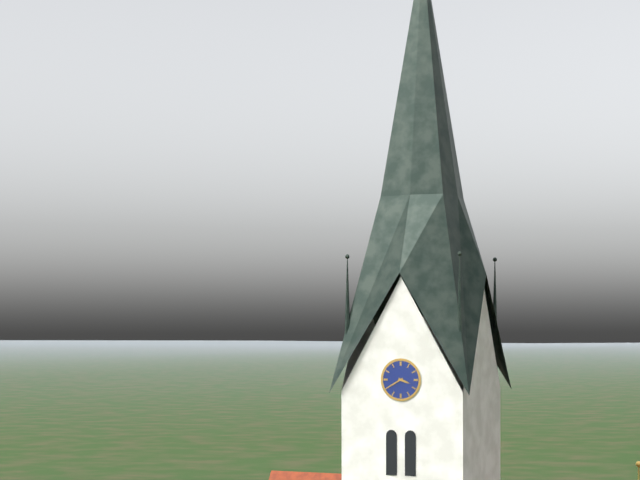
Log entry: 3:40
